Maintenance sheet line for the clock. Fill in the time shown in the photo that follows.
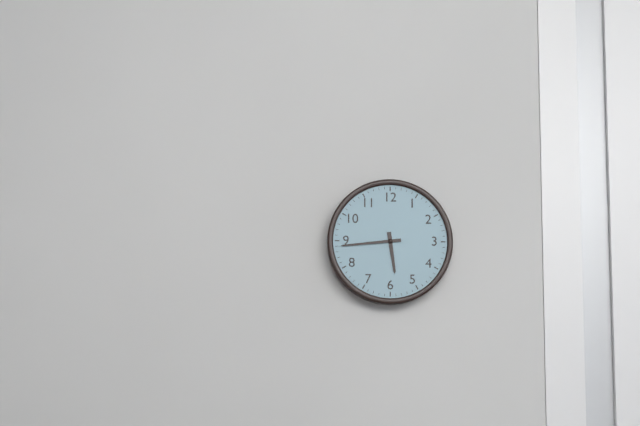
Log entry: 5:44
